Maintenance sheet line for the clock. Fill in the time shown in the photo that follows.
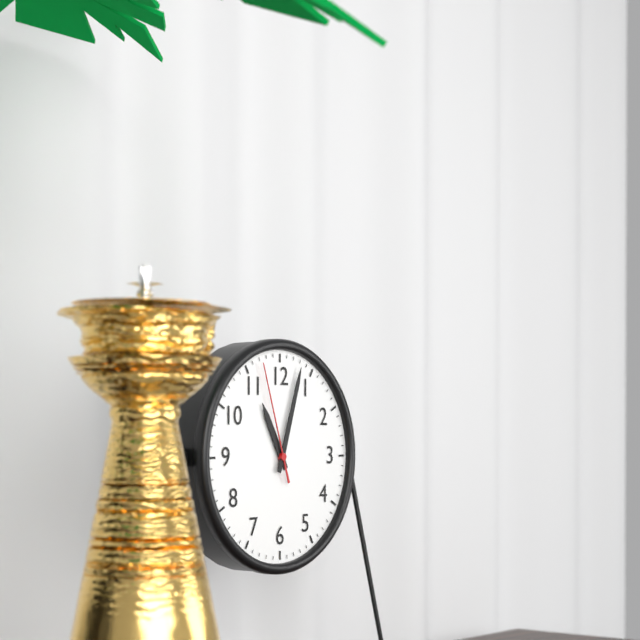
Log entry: 11:03:57
